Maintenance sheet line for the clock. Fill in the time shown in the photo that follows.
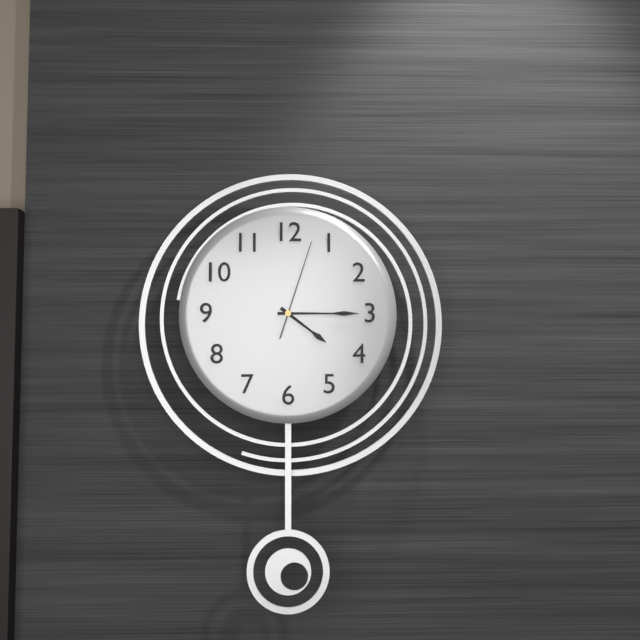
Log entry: 4:15:03
